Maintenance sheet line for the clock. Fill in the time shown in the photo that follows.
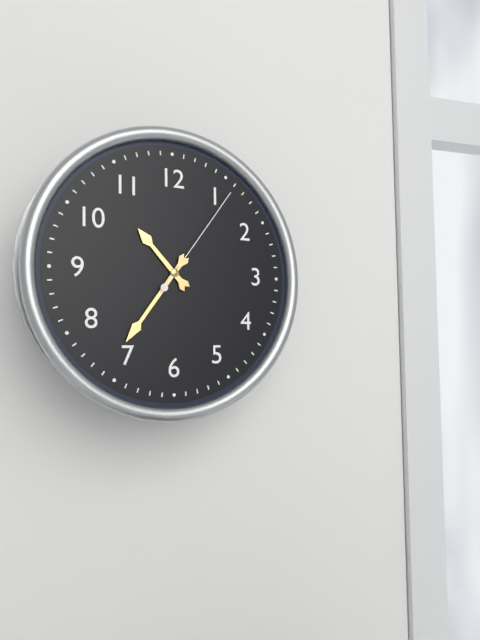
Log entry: 10:36:06
